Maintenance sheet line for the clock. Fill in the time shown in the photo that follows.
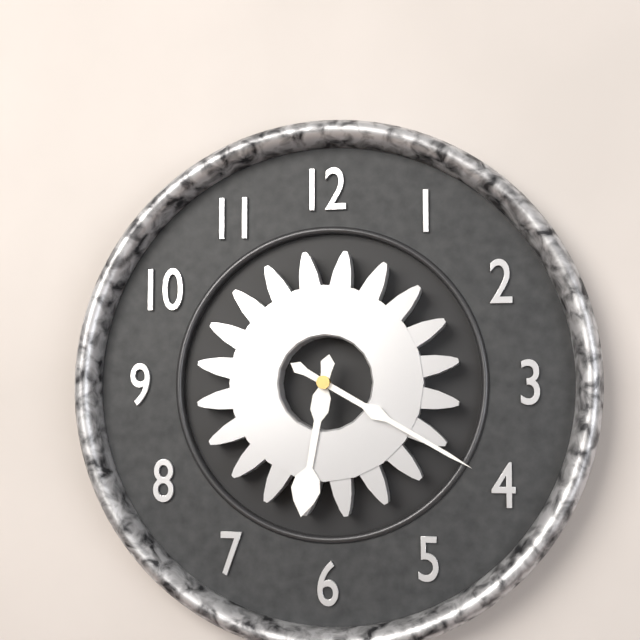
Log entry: 6:20
